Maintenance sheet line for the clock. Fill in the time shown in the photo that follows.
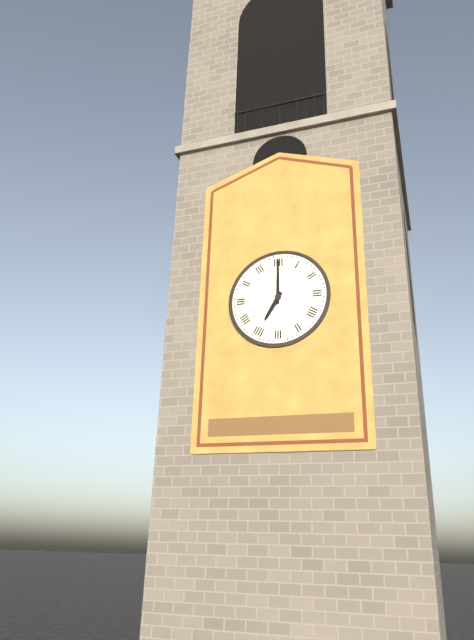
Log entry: 7:00
